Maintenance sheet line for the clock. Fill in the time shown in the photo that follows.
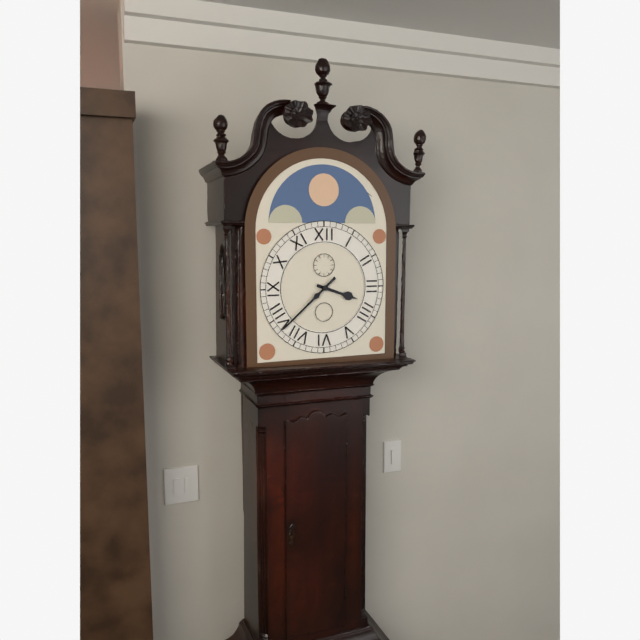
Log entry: 3:38
